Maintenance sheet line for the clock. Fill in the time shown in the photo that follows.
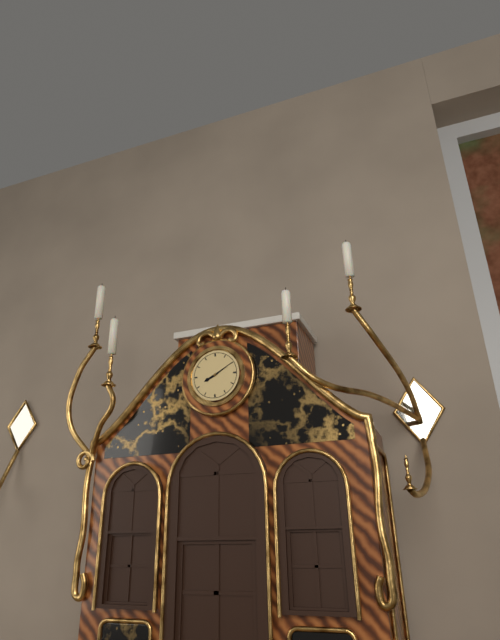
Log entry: 8:10
